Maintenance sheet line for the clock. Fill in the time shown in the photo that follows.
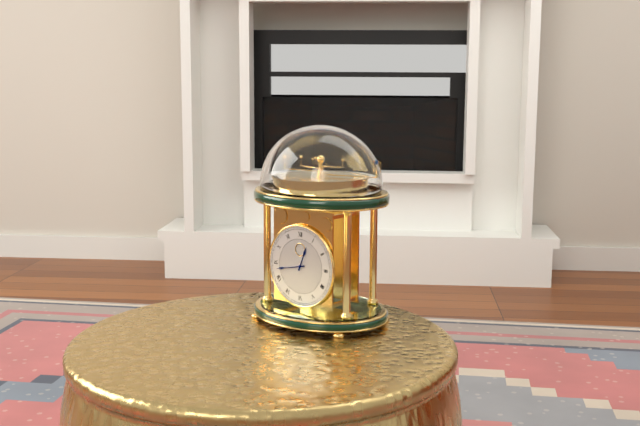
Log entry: 12:43
